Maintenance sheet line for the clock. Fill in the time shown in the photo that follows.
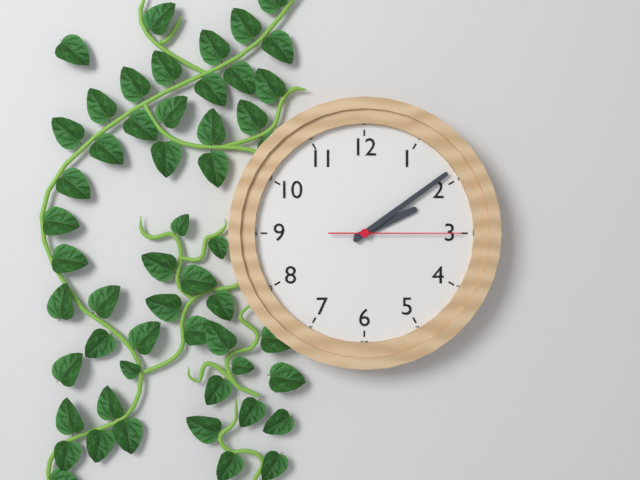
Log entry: 2:09:15
